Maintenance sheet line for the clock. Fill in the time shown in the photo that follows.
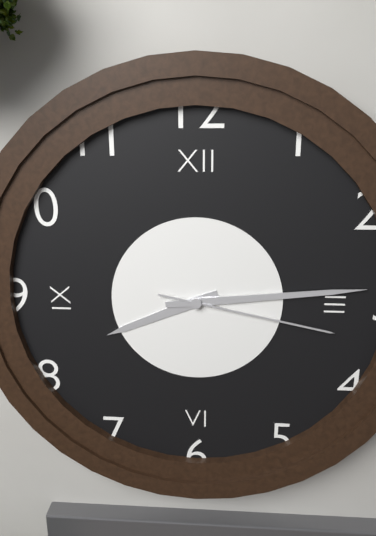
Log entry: 8:14:17
